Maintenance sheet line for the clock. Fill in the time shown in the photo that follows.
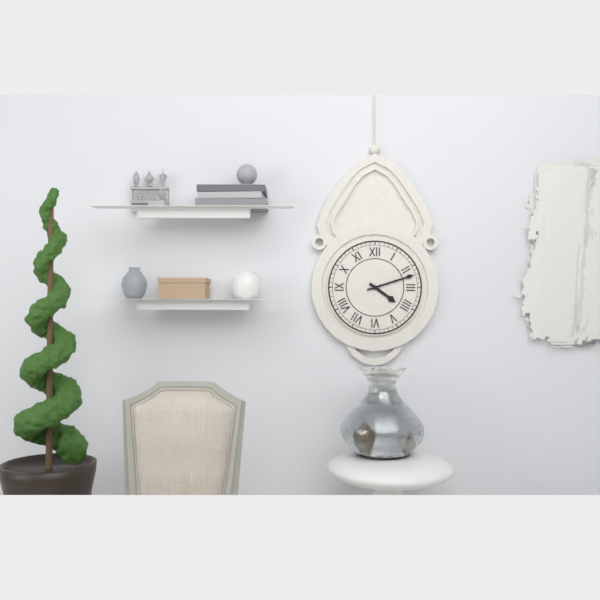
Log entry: 4:12
